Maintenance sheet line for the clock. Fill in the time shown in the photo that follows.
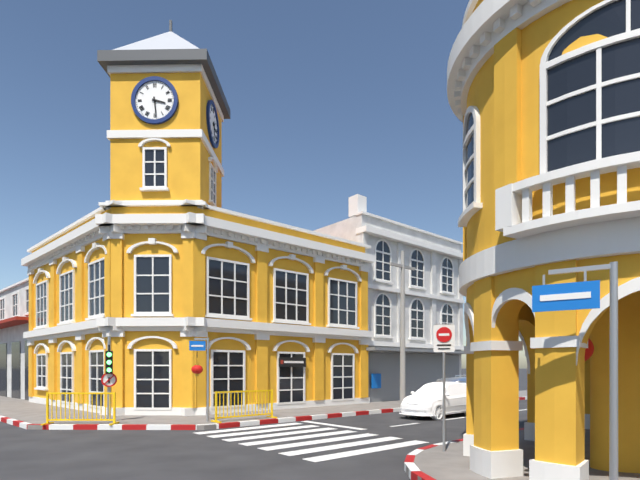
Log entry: 3:29
